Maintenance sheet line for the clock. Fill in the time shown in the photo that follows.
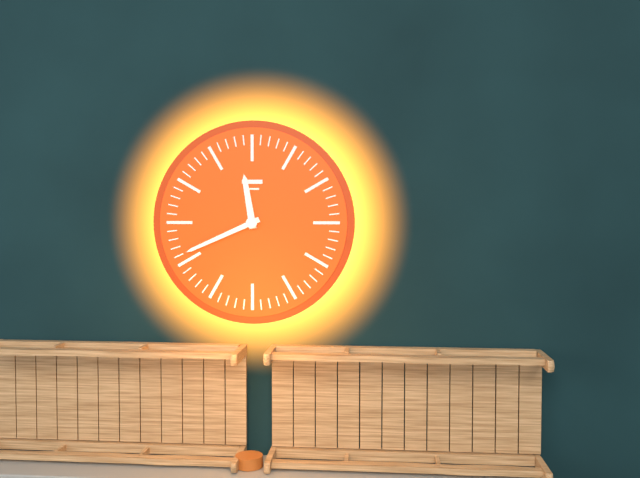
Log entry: 11:41
